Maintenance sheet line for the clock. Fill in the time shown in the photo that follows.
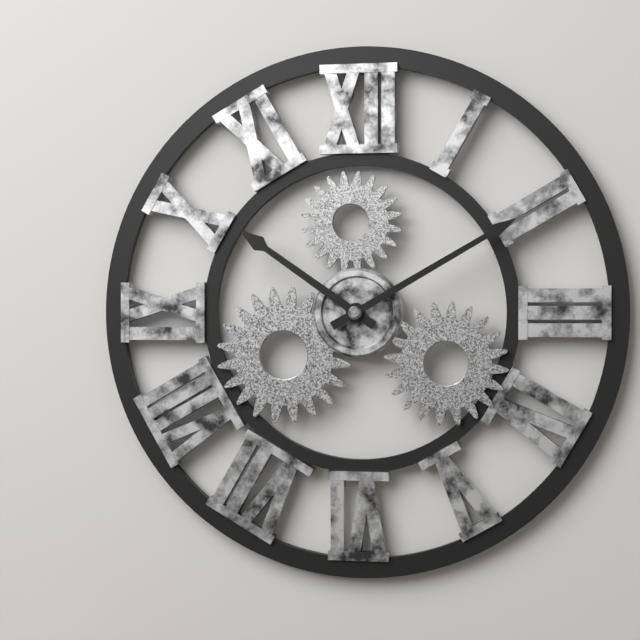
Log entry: 10:10
